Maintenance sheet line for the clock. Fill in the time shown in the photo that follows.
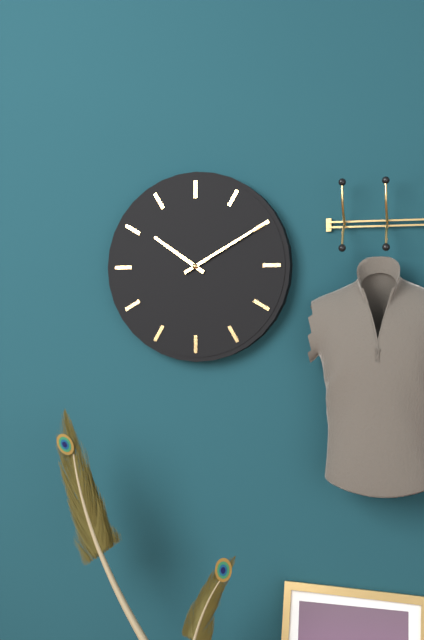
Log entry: 10:10
